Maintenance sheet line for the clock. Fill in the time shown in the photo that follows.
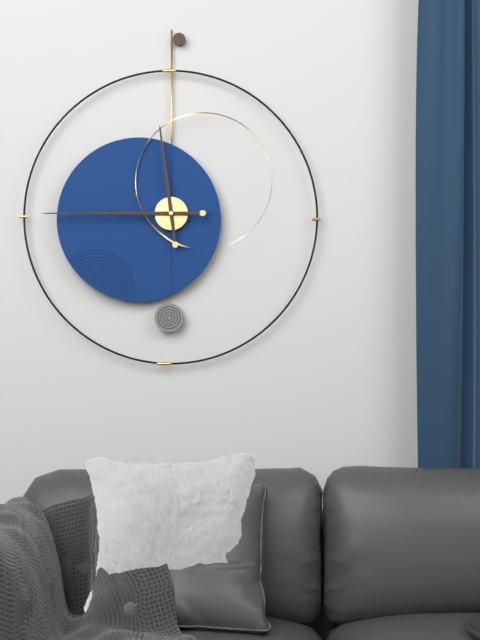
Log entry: 11:45
